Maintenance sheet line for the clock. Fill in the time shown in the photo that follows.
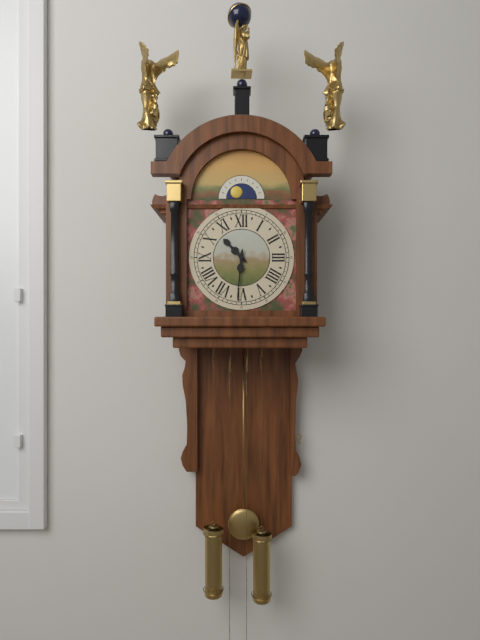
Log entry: 10:31
